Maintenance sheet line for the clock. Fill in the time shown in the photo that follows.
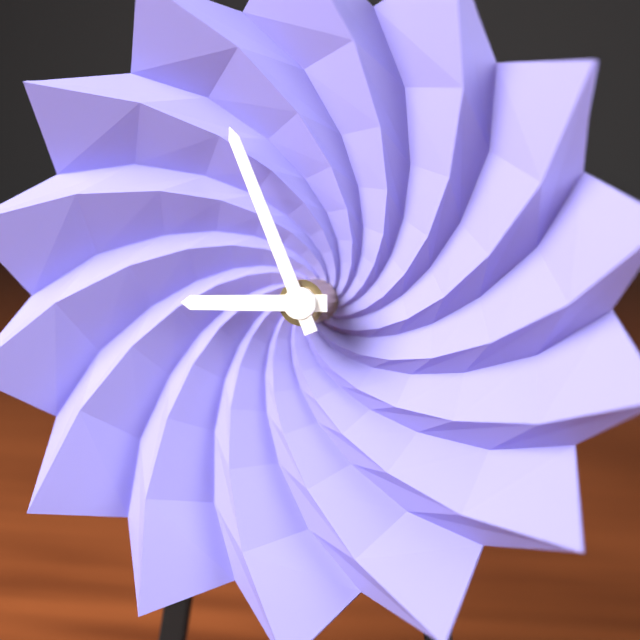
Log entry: 8:56
